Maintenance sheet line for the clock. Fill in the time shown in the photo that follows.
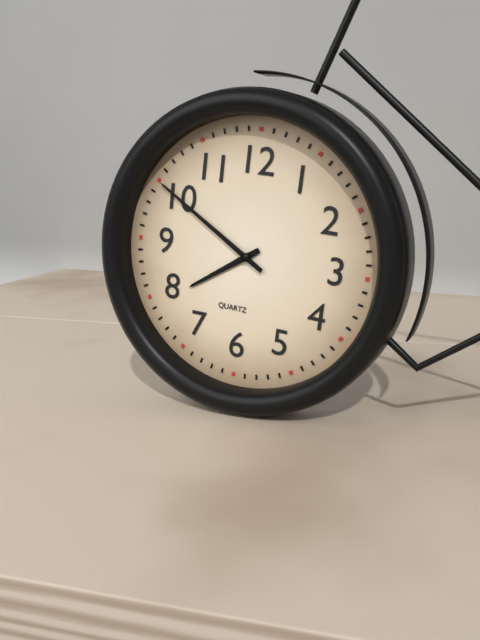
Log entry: 7:50
